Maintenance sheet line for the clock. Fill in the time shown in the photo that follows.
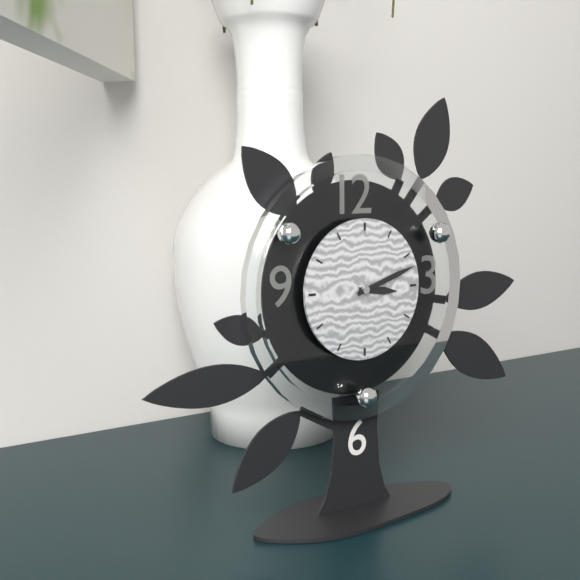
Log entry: 3:12
